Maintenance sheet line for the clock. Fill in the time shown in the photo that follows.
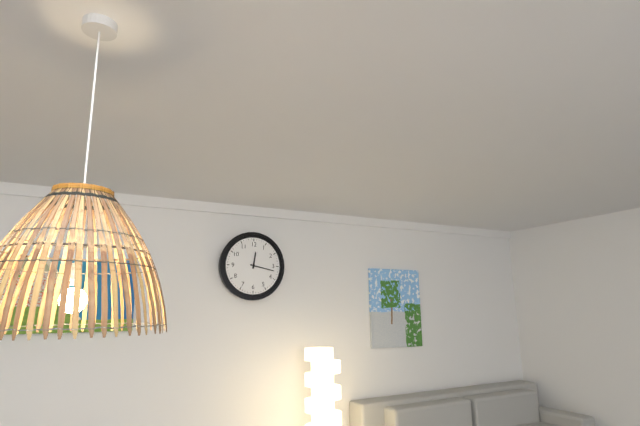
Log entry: 12:17
